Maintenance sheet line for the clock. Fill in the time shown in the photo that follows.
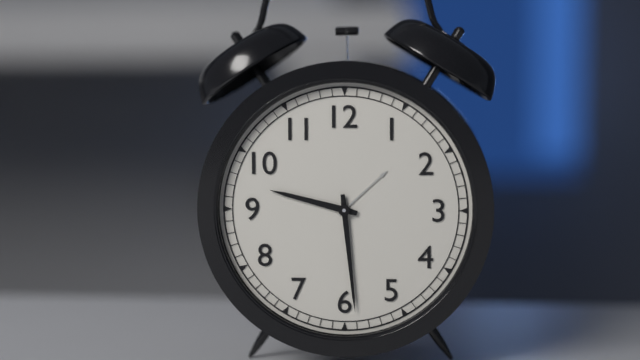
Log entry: 9:29
